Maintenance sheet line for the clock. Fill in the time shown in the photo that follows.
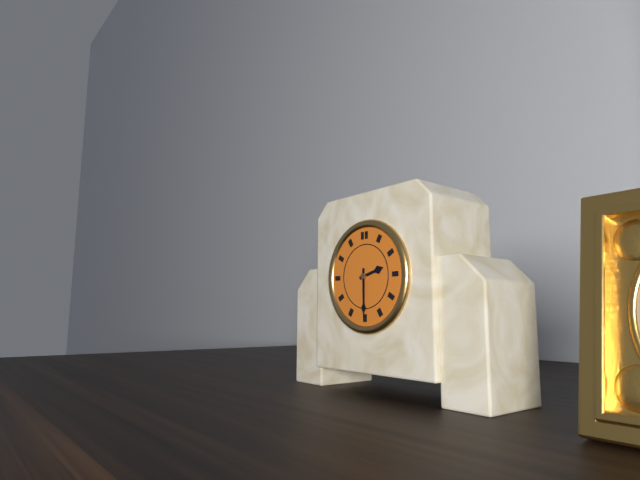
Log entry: 2:30
